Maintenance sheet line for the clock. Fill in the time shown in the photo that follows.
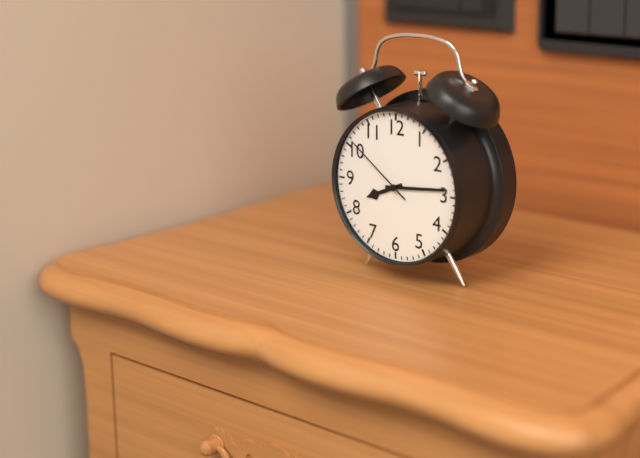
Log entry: 8:14:51
